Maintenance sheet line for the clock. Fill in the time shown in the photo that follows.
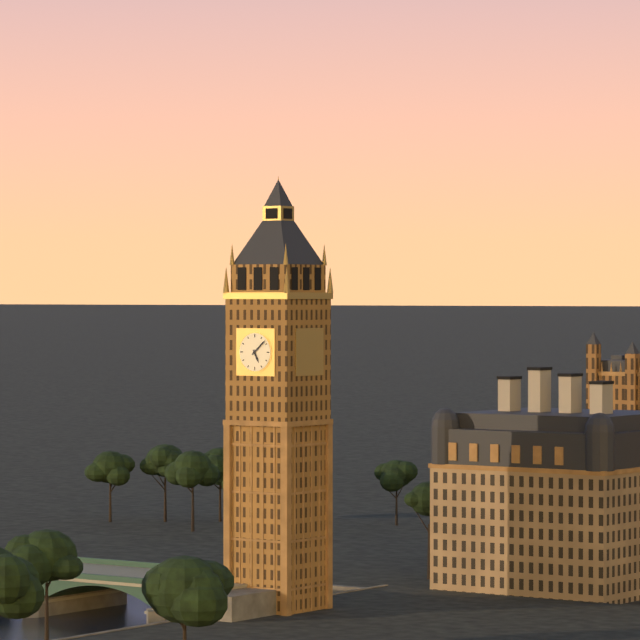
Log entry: 5:08
